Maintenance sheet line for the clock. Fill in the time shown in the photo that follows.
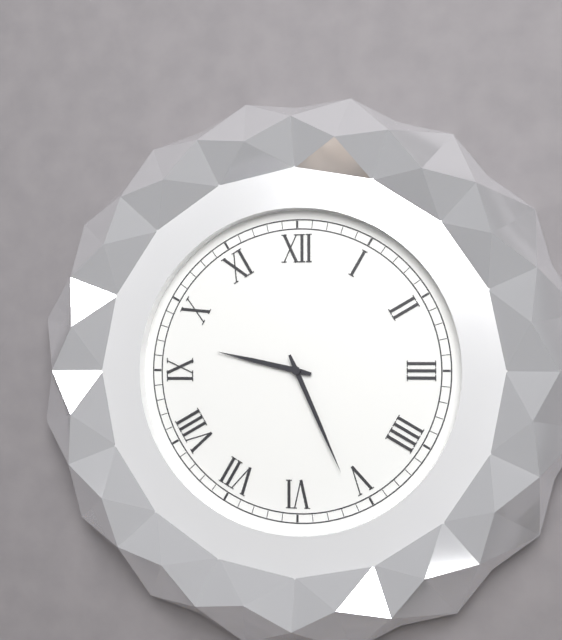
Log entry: 9:26
